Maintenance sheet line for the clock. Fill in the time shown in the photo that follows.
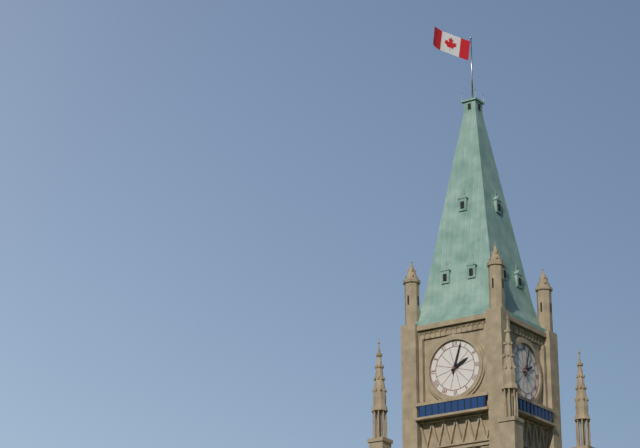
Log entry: 2:03
